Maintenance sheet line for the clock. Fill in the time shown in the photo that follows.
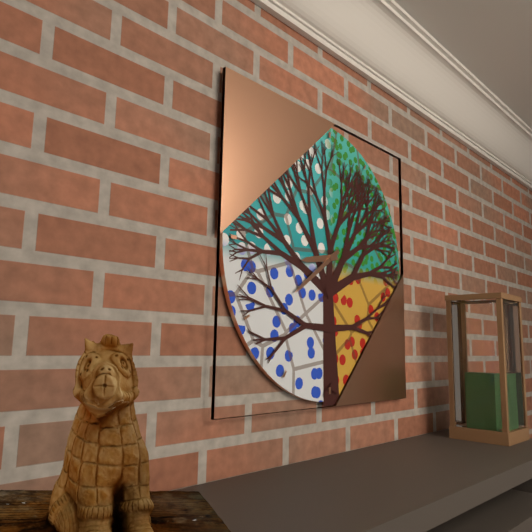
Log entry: 8:39
